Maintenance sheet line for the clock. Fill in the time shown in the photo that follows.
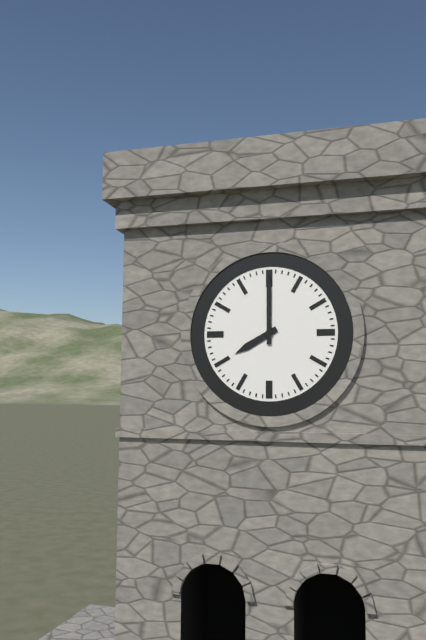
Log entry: 8:00
